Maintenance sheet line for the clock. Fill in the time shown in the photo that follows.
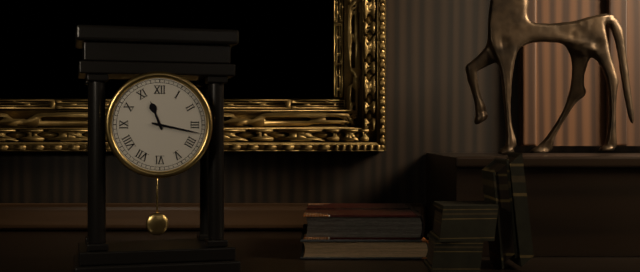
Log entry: 11:17
